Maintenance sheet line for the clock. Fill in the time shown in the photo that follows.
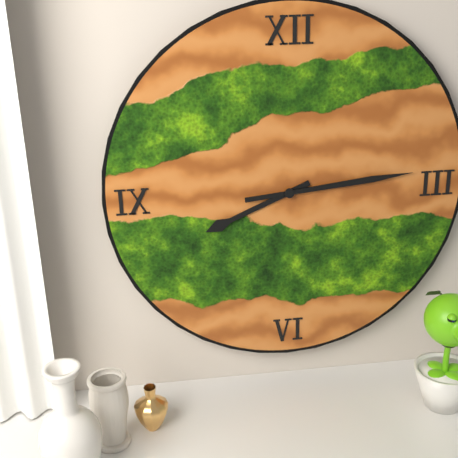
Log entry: 8:14
